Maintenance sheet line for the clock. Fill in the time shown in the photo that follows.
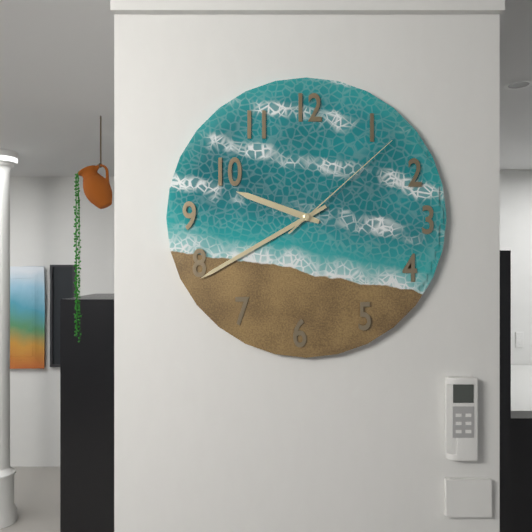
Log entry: 9:40:08
